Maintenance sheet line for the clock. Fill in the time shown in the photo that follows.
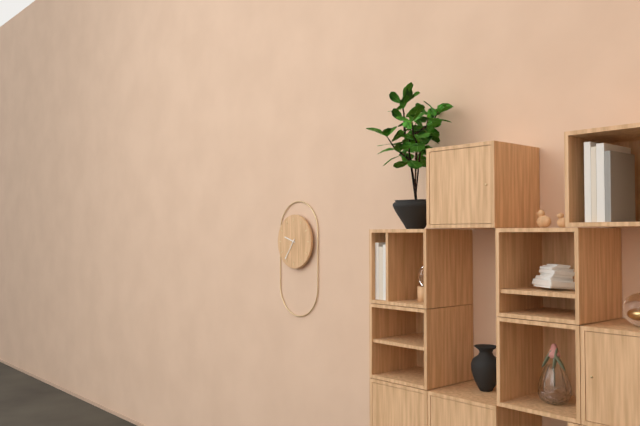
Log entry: 9:36
